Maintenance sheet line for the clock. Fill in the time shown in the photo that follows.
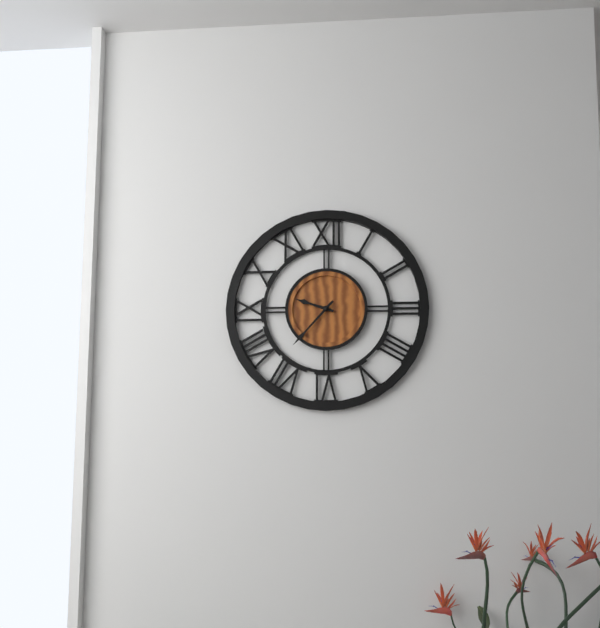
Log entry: 9:37
